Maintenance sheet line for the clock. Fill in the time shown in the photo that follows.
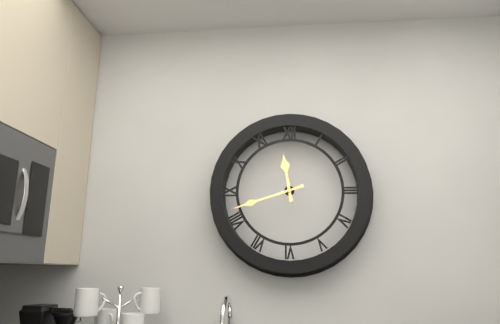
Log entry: 11:42
